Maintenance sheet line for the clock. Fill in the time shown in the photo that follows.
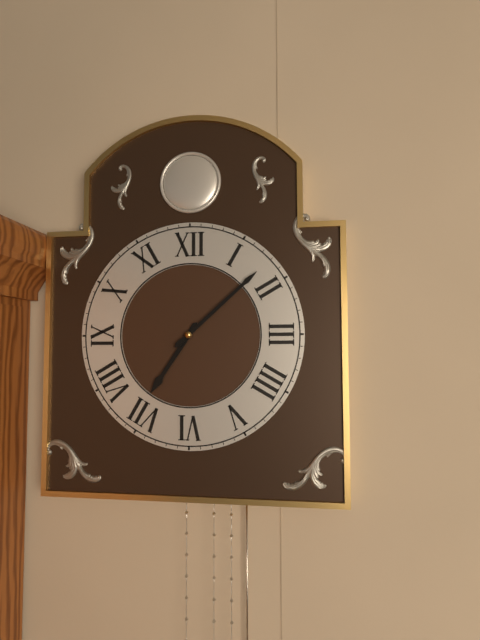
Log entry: 7:08
